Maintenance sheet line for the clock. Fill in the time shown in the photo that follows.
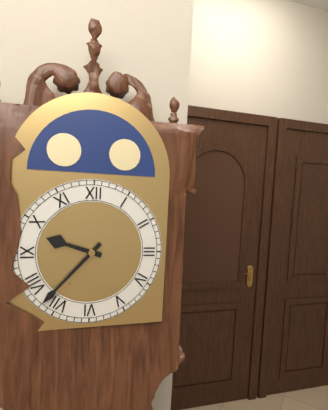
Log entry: 9:37
